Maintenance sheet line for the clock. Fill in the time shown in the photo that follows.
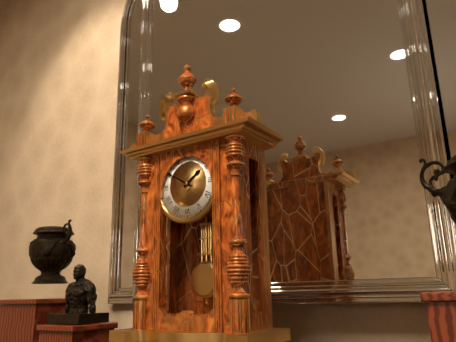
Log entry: 1:50
